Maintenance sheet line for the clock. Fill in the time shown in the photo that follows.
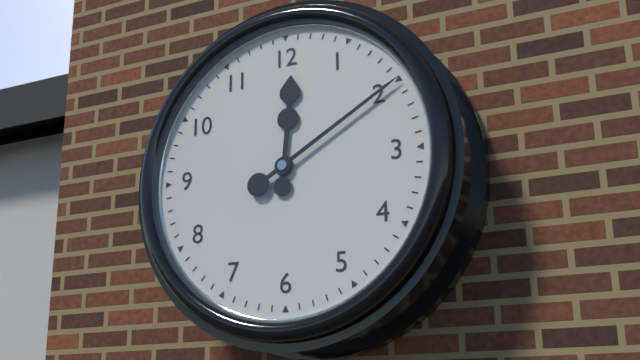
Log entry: 12:10
